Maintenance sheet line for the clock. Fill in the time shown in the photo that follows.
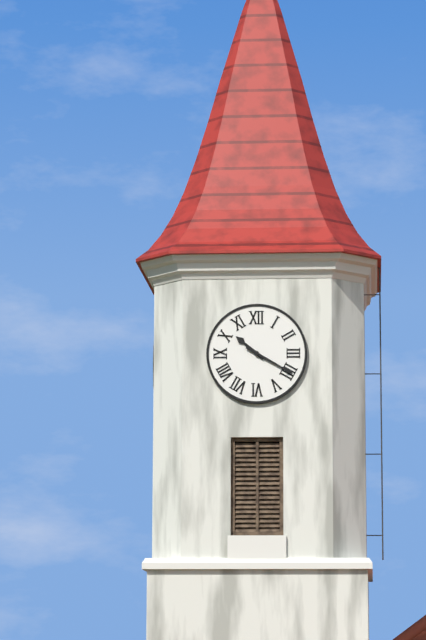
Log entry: 10:20
